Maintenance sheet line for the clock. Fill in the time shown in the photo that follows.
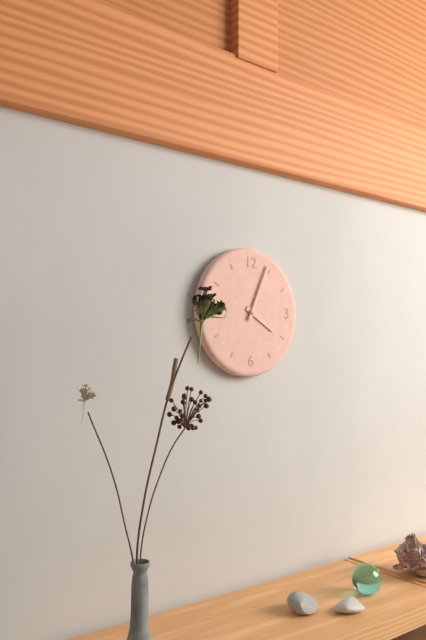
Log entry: 4:04
